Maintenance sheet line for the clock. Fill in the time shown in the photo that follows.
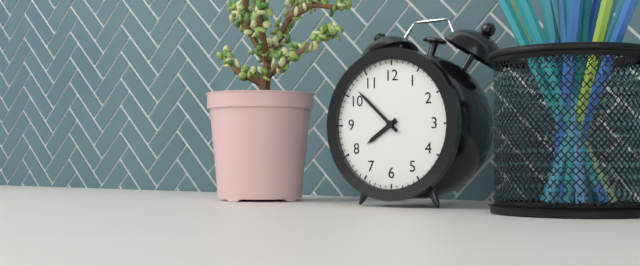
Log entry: 7:52
